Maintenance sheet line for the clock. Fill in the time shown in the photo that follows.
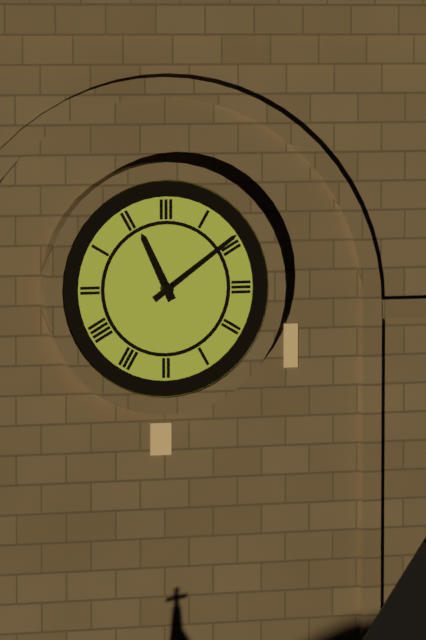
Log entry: 11:09
